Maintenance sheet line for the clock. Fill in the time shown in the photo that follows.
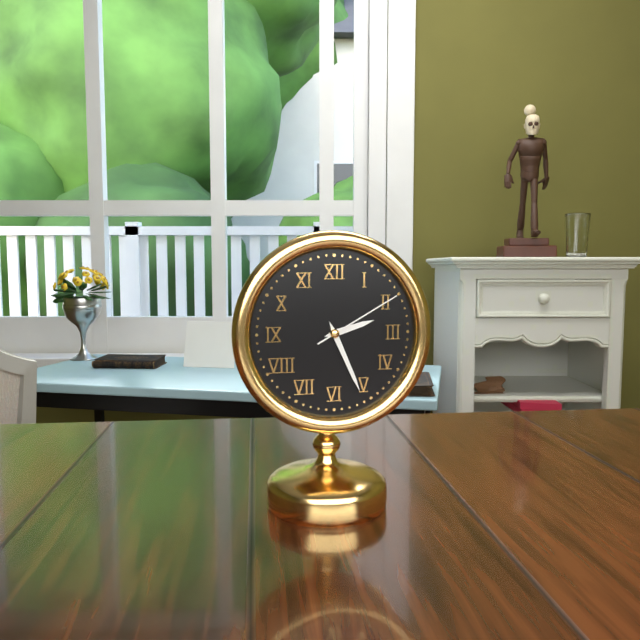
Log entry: 2:26:10
